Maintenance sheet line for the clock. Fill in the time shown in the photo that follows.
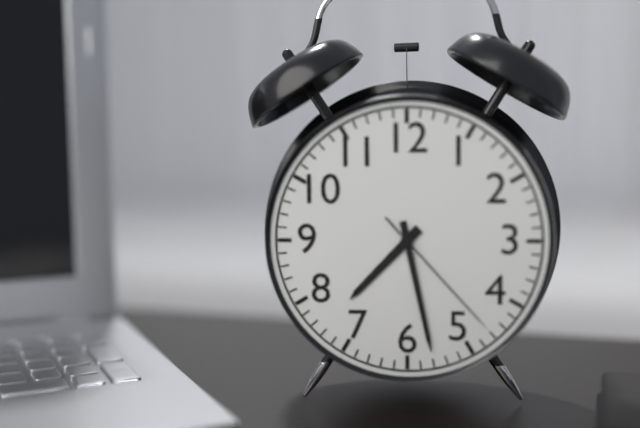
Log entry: 7:28:23
